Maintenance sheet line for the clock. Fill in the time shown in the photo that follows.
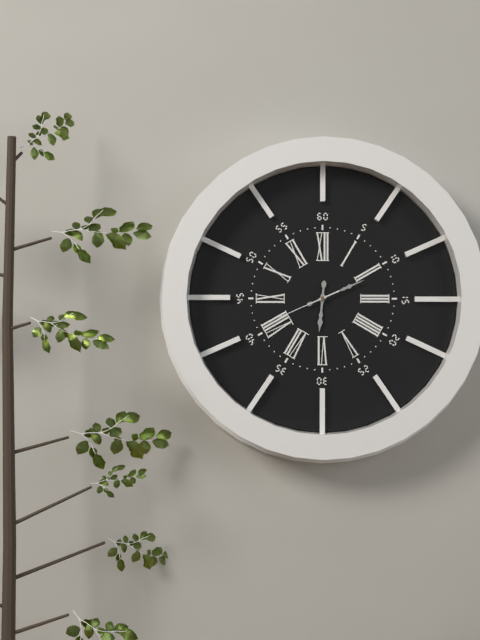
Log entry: 6:11:41
